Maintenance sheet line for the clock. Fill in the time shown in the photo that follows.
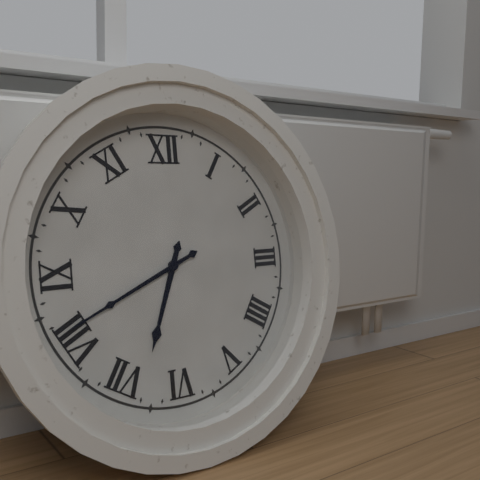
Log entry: 6:41
